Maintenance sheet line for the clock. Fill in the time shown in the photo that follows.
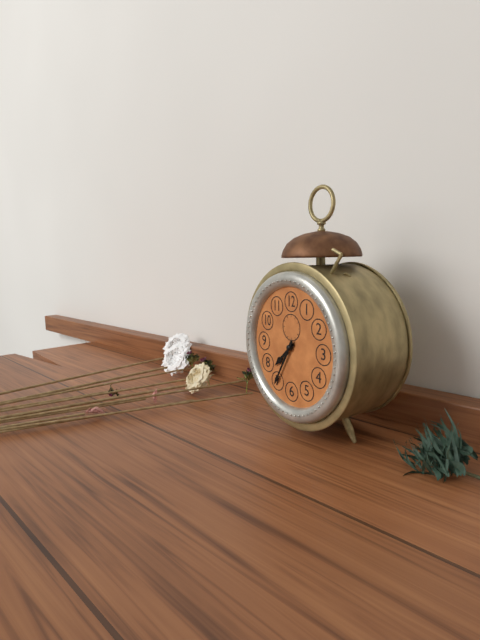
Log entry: 7:35
